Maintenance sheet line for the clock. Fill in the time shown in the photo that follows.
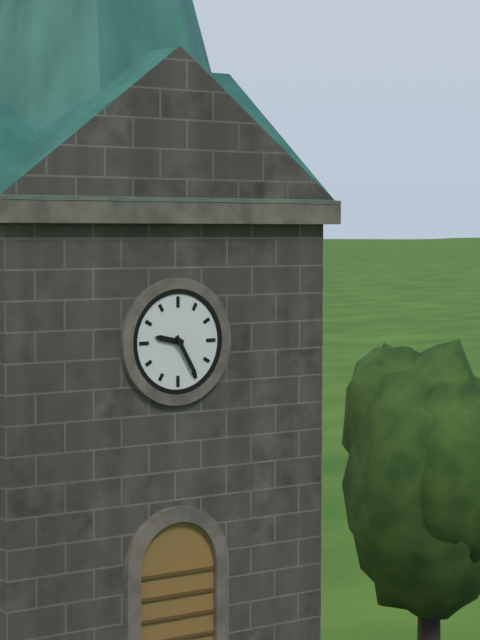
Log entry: 9:25
